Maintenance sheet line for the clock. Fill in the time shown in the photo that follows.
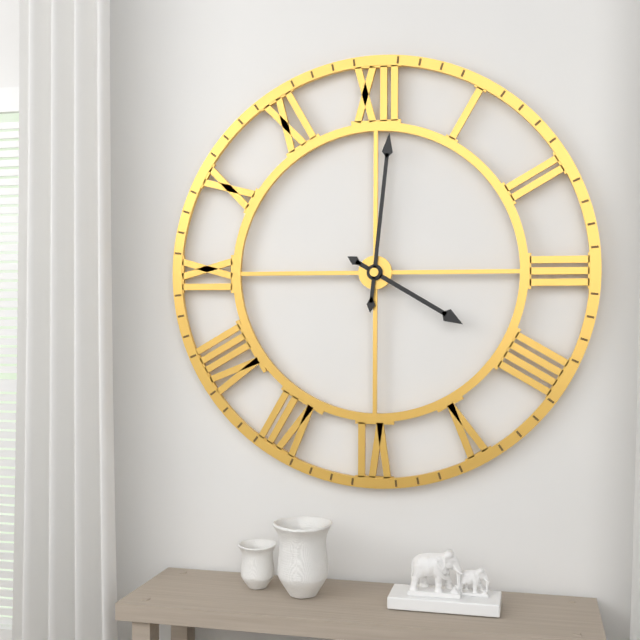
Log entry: 4:01
